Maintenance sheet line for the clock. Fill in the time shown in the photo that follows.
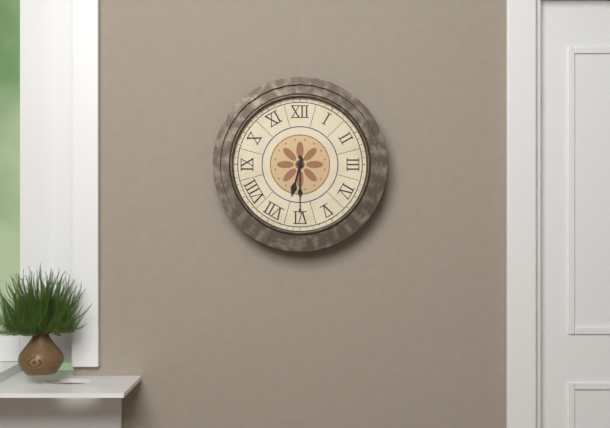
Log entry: 6:30
